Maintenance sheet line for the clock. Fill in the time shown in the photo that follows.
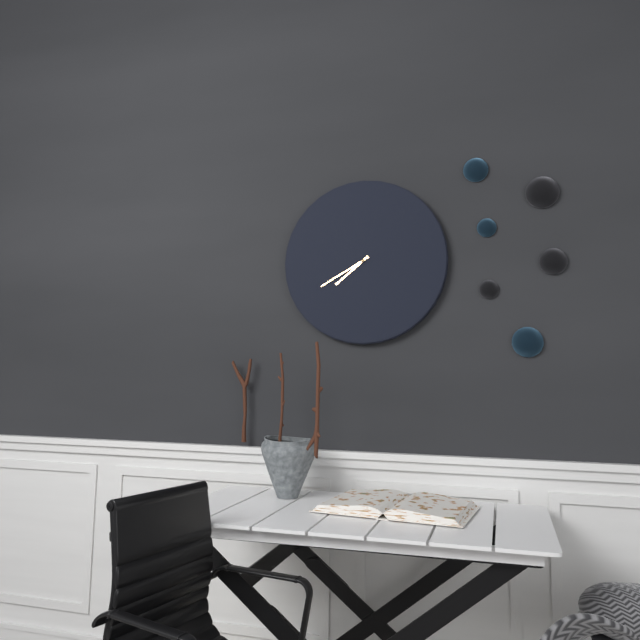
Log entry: 7:40
